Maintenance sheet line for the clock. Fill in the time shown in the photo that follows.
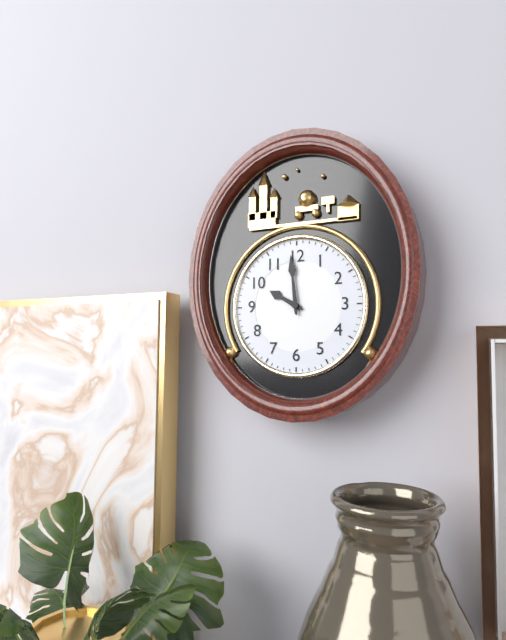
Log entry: 9:59
